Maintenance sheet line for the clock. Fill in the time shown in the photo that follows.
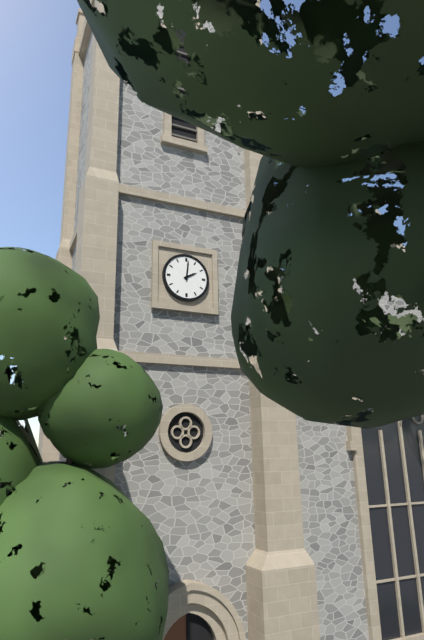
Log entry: 2:01
